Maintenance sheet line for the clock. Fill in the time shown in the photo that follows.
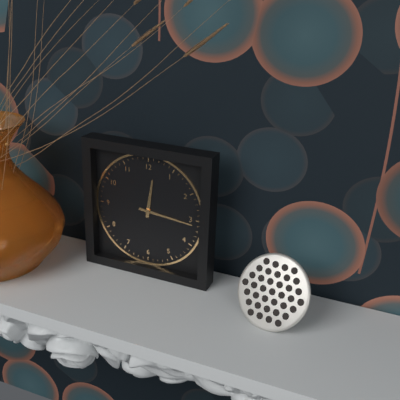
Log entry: 12:16
